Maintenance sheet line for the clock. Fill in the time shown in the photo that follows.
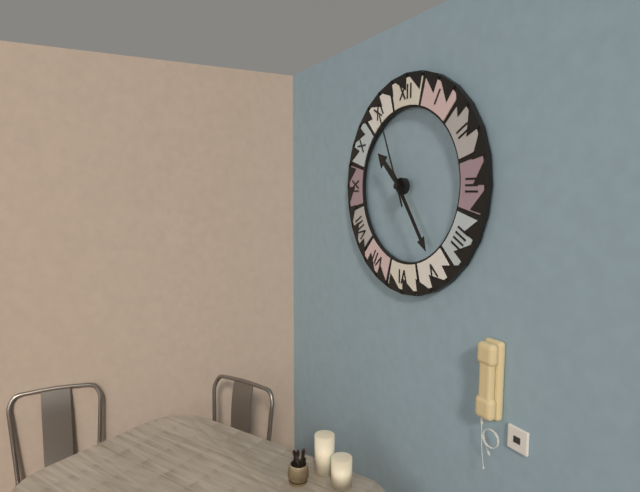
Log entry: 10:24:56
